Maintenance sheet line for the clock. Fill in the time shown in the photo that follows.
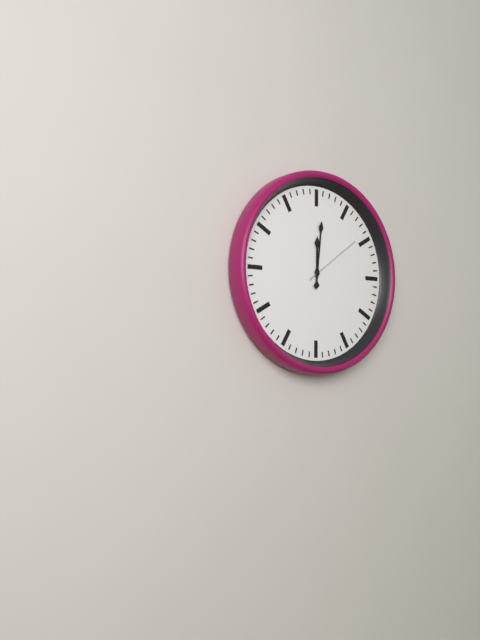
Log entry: 12:01:09
